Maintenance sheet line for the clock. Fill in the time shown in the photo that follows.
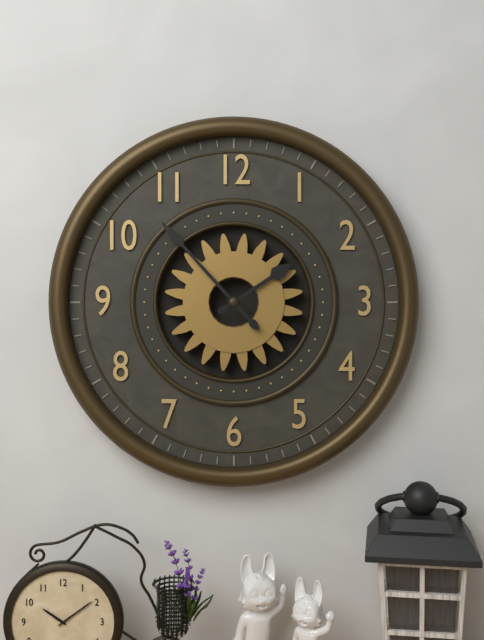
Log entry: 1:53
